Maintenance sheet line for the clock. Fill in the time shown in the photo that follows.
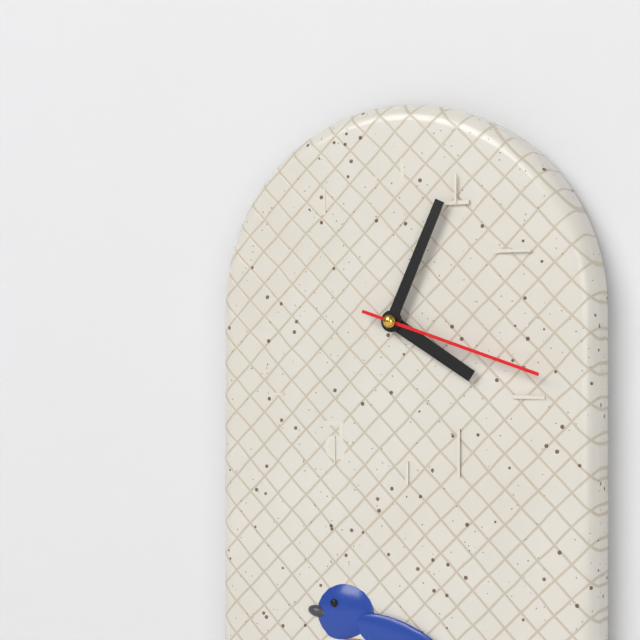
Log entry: 4:04:18
